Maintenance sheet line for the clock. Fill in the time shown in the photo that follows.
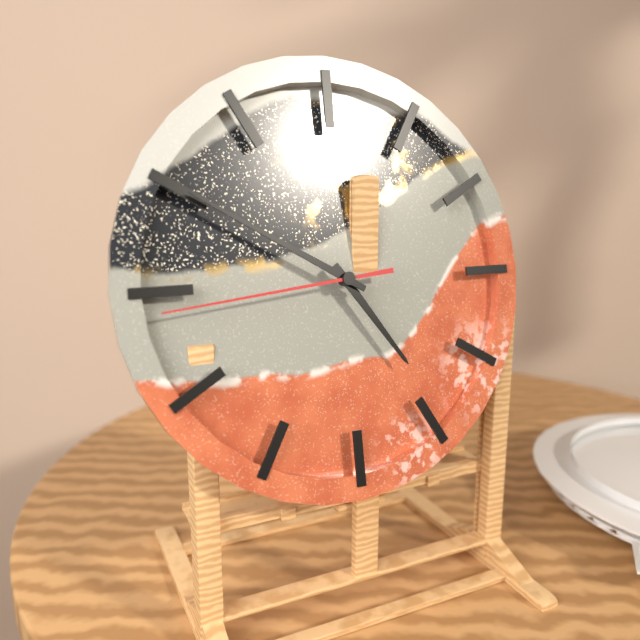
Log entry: 4:50:44
